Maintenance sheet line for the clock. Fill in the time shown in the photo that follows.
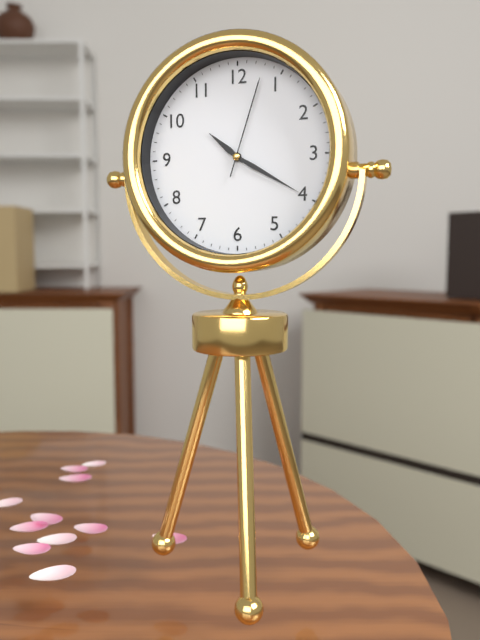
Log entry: 10:20:03
